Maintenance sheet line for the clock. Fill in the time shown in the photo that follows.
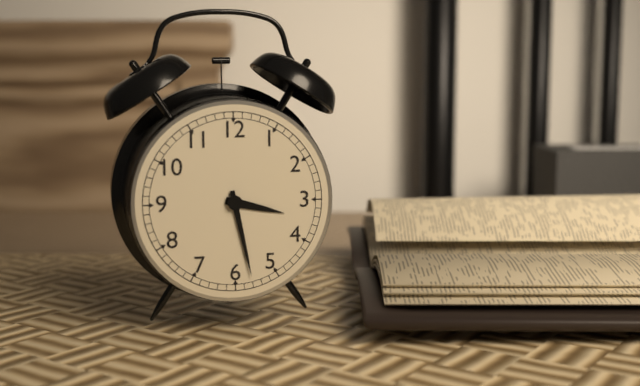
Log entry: 3:28
